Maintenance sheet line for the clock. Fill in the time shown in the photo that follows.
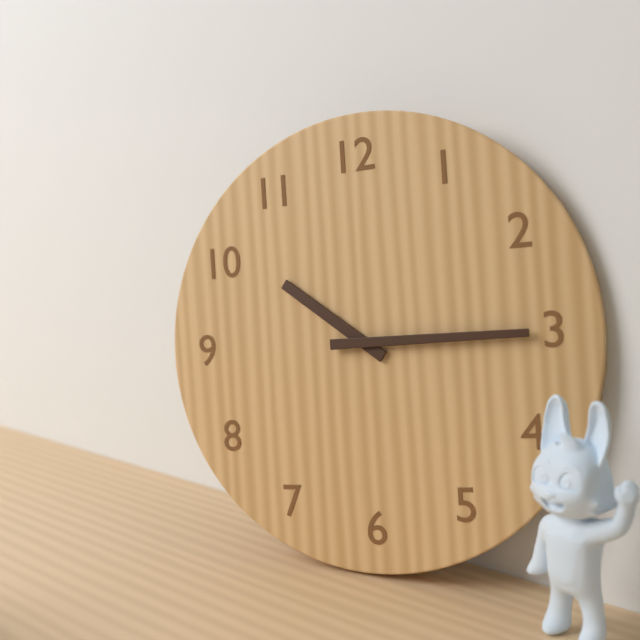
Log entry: 10:15
